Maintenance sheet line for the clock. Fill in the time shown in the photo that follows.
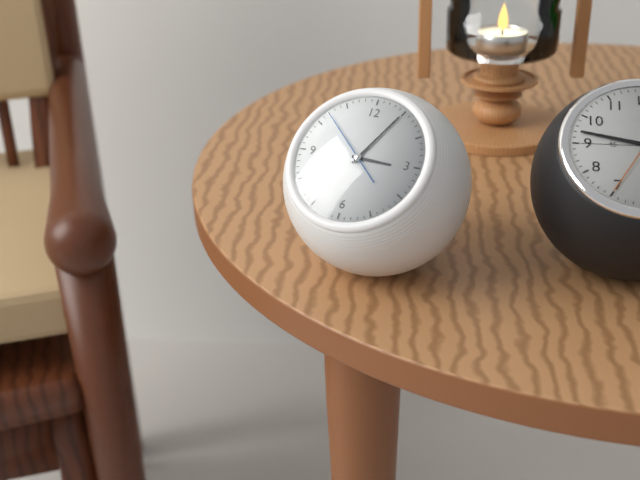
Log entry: 3:05:52
